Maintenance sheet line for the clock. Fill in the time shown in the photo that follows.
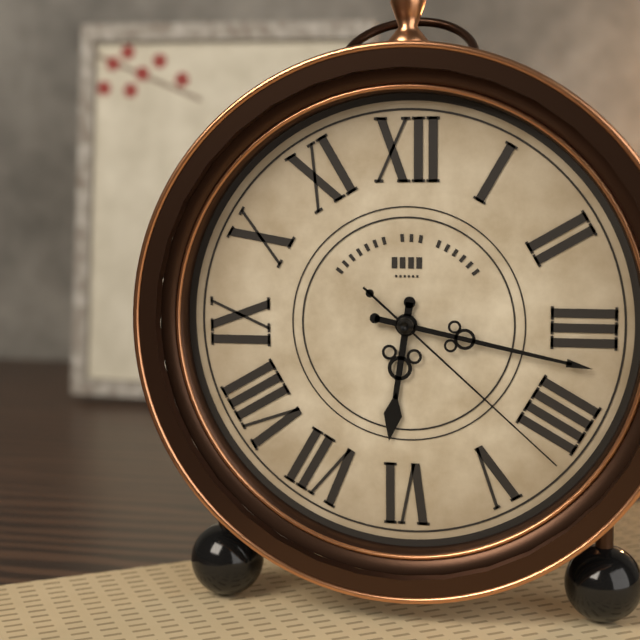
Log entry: 6:17:22
